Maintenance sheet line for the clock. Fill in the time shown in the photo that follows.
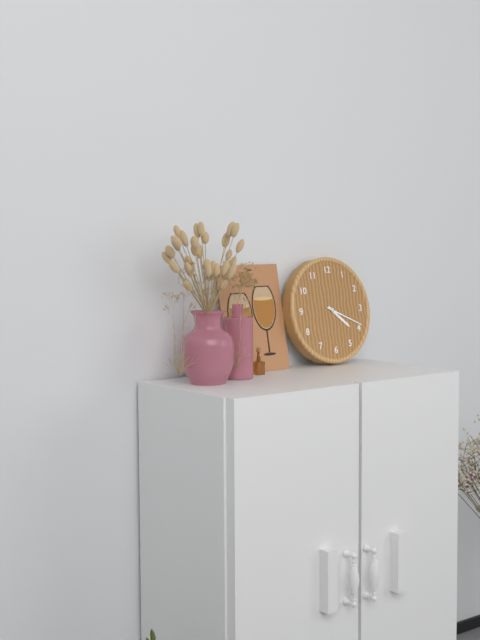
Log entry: 4:19
